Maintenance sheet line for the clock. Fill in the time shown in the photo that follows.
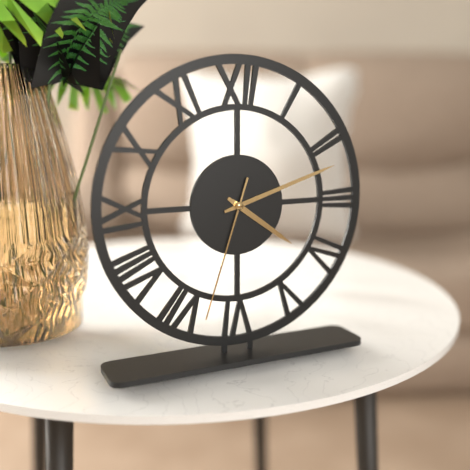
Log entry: 4:12:33
